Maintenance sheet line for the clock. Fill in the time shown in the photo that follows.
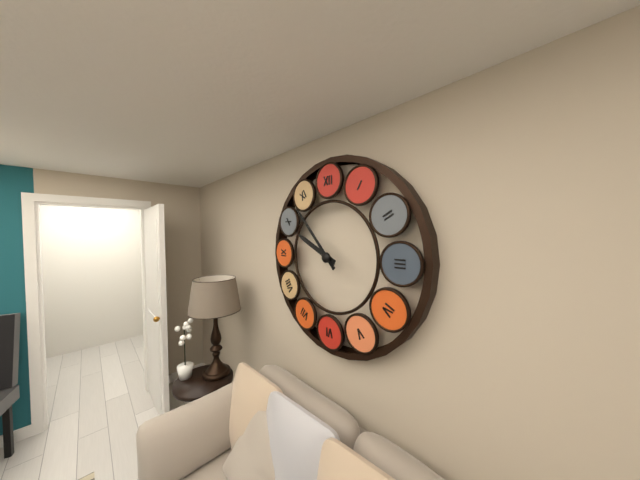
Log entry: 9:53
